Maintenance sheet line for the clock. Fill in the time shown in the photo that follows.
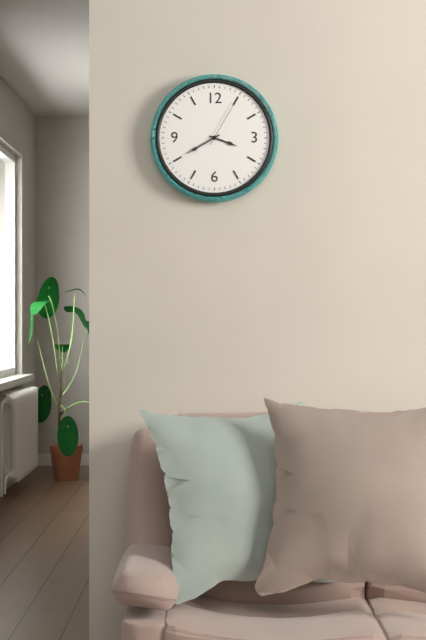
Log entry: 3:40:05
